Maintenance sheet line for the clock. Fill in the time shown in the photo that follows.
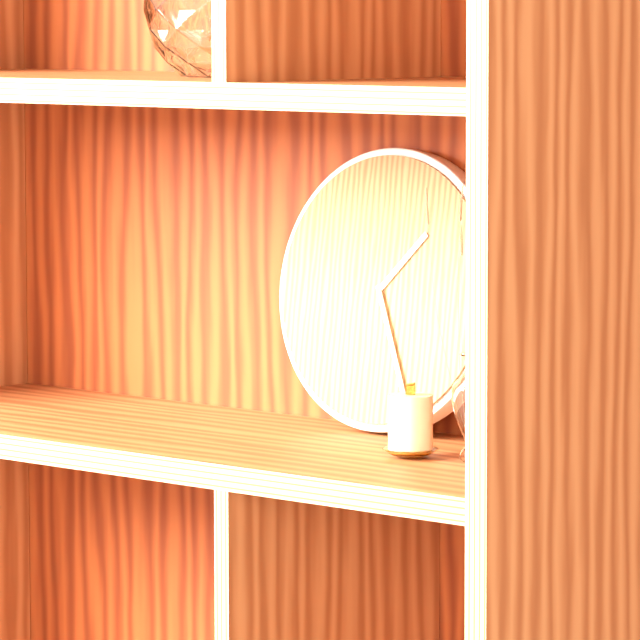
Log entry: 1:26
